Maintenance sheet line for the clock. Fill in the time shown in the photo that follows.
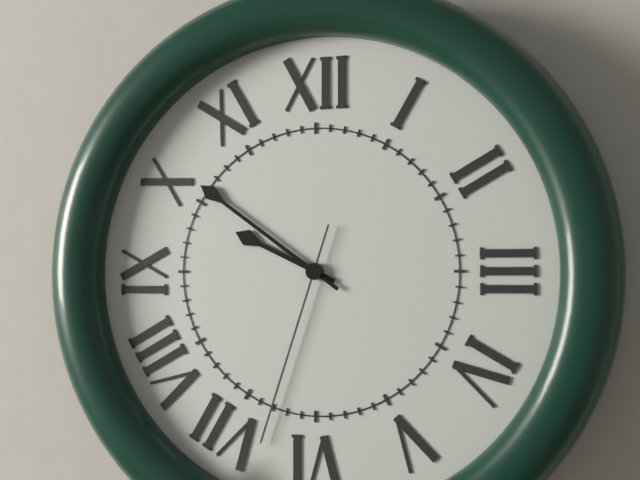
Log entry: 9:51:33
